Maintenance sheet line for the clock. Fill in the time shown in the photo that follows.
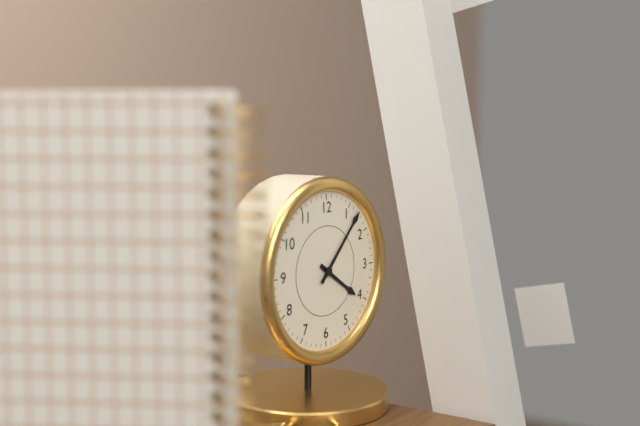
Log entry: 4:07
